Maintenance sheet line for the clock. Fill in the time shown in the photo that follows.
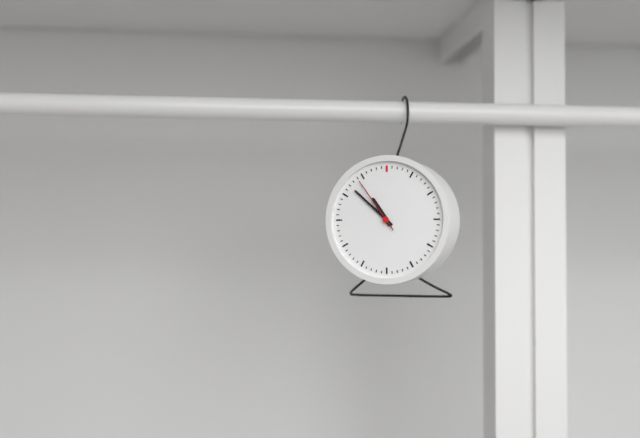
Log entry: 10:52:54
